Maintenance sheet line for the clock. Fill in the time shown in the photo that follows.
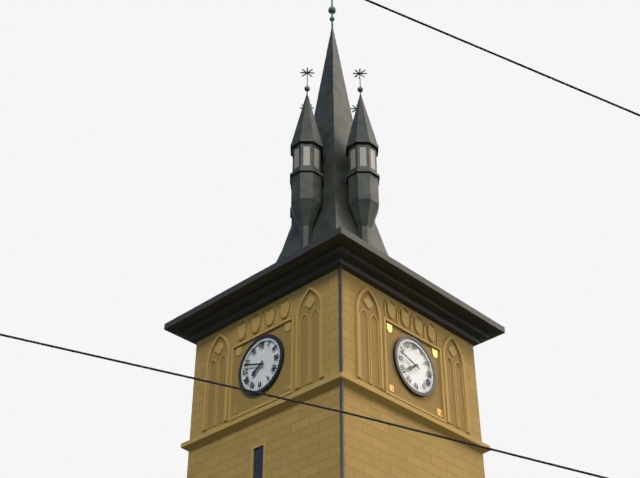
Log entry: 7:48
